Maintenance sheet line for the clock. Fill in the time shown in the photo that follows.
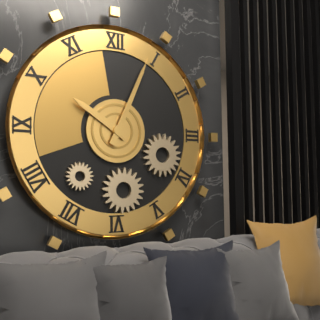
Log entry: 10:04
